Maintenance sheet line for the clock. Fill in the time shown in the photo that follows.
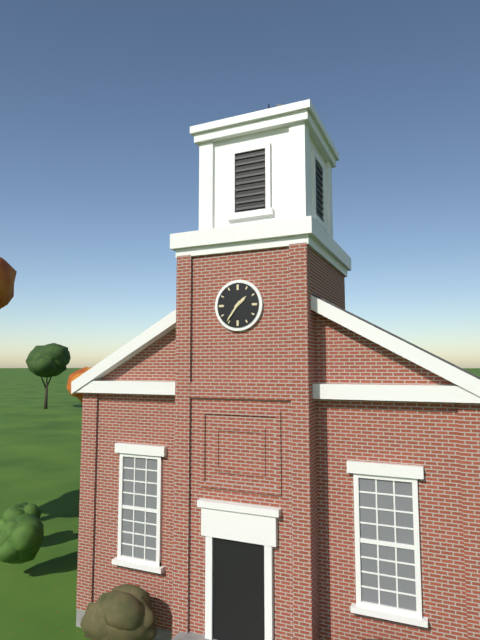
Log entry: 1:36
